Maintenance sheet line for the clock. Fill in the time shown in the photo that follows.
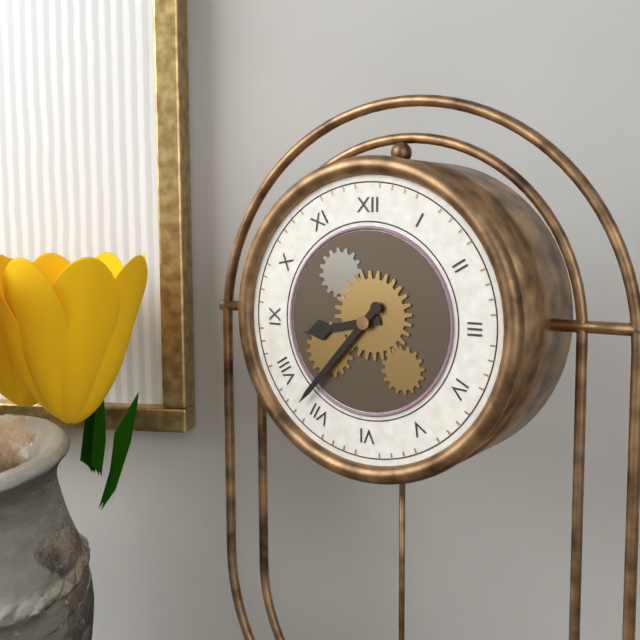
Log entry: 8:37
